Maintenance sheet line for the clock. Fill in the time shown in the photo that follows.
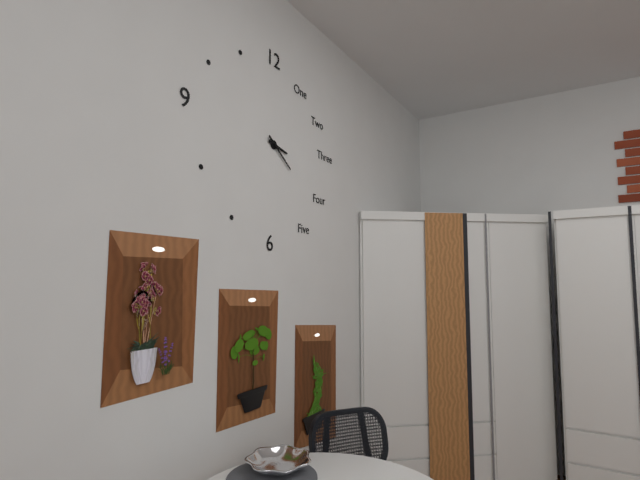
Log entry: 3:21
